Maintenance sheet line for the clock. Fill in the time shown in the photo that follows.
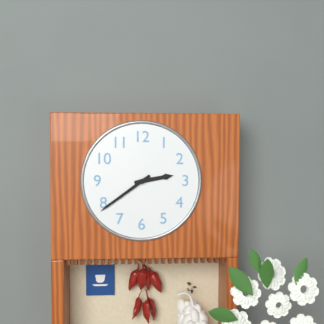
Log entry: 2:39
